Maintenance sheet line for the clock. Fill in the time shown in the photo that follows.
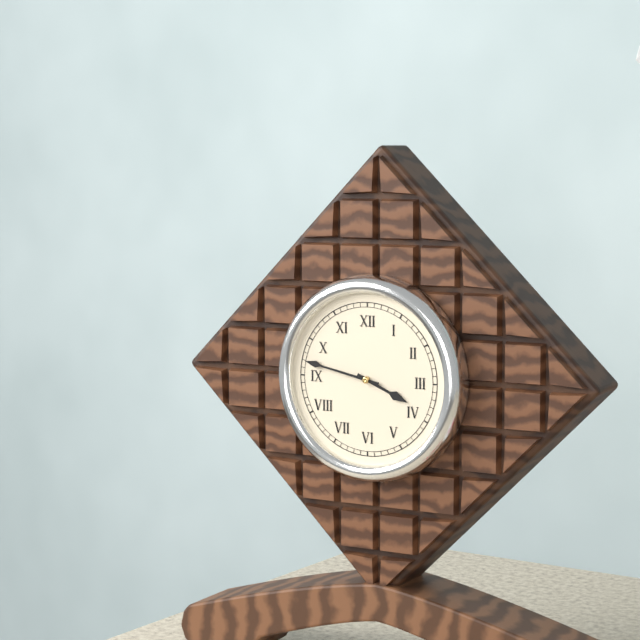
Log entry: 3:47
